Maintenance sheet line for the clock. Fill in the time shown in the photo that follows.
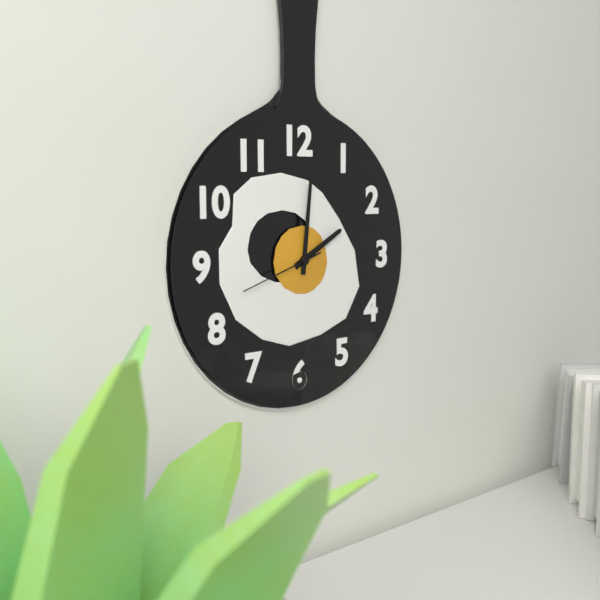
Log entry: 2:01:42
